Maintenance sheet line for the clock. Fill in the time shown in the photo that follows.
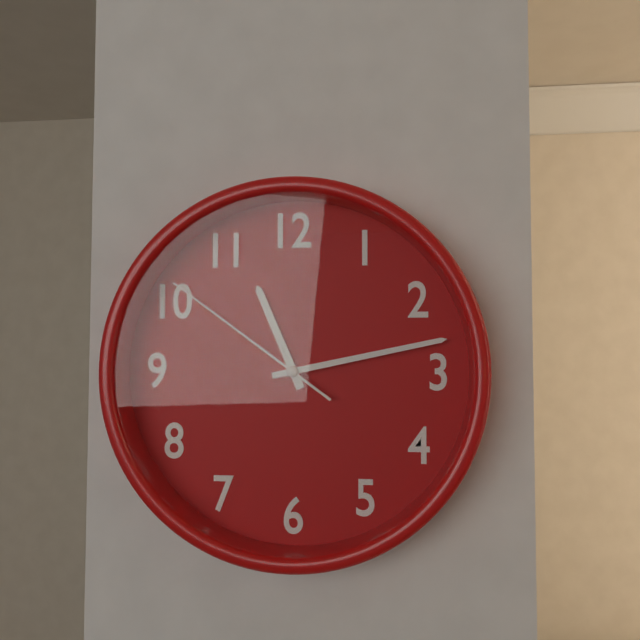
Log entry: 11:13:51
